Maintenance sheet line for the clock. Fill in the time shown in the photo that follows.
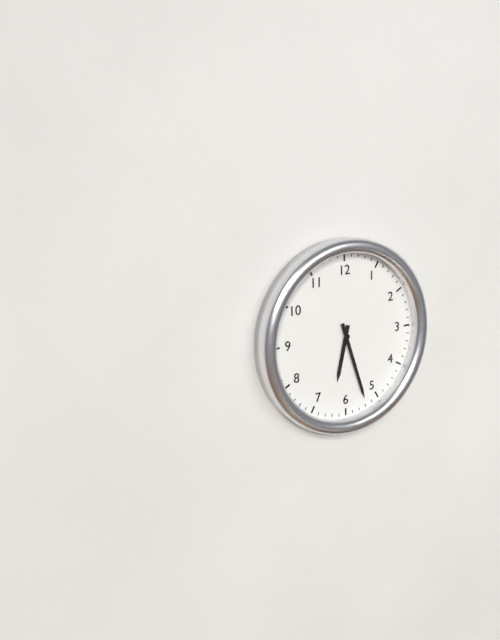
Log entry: 6:27
